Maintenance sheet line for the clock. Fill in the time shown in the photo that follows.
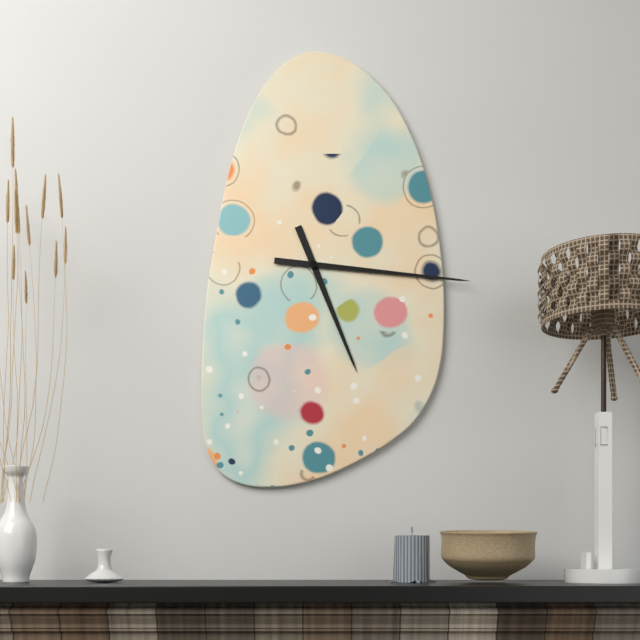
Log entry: 5:16
